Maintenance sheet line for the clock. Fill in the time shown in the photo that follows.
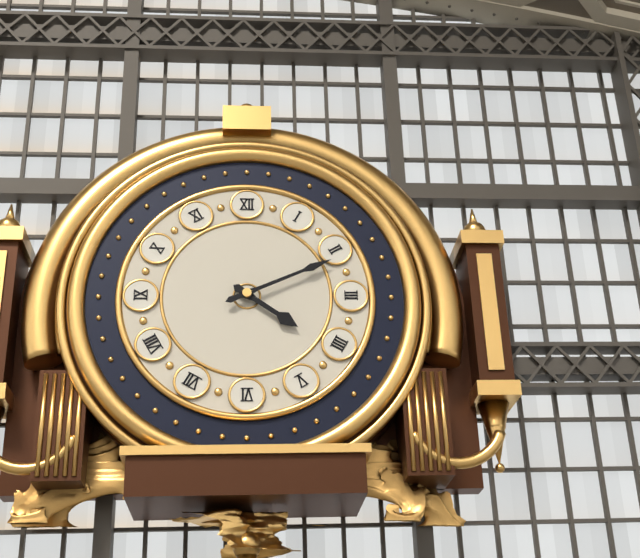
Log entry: 4:11
